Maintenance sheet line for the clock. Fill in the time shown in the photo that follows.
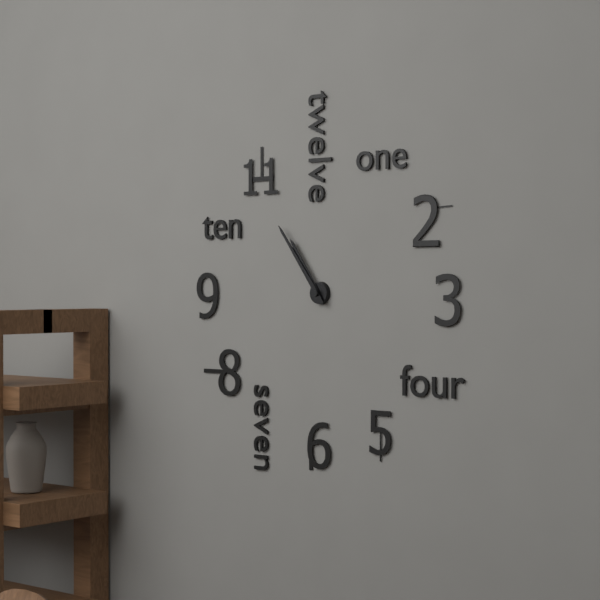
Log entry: 10:54
